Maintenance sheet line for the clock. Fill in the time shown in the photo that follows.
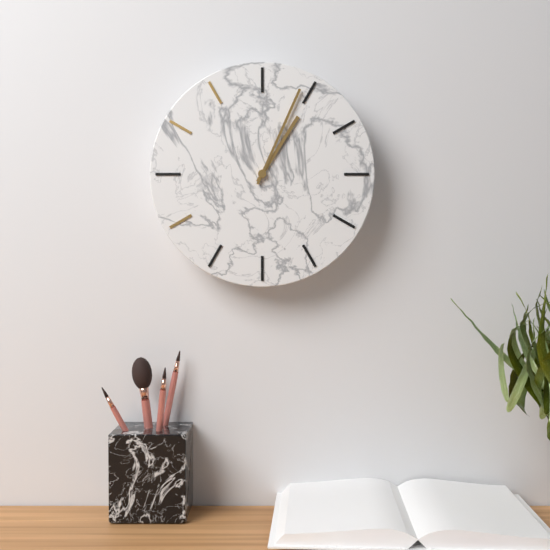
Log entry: 1:04
